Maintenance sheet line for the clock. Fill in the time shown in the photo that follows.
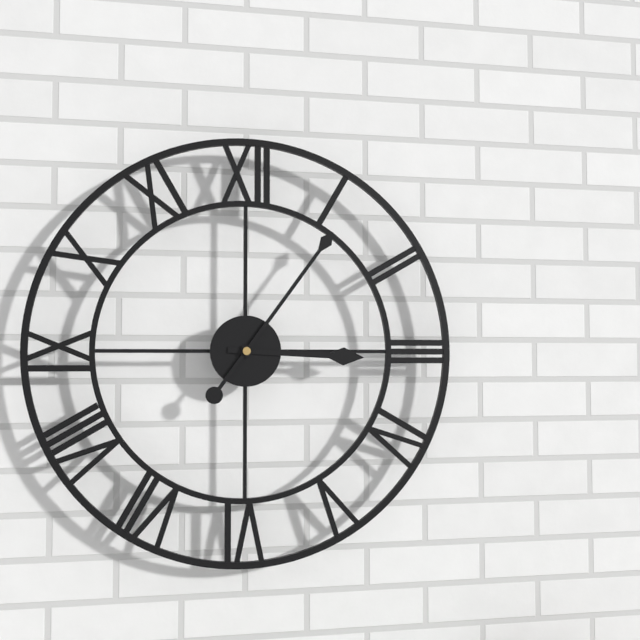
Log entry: 3:06
